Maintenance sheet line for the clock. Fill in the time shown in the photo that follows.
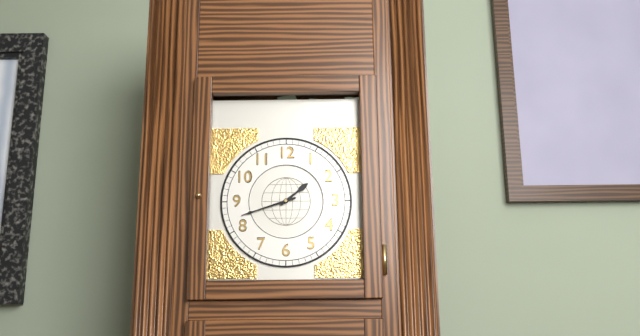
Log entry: 1:42
